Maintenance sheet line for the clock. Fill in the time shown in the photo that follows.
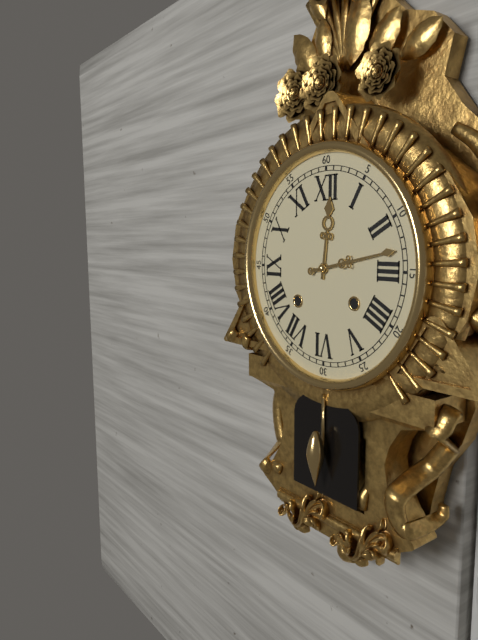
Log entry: 12:13
